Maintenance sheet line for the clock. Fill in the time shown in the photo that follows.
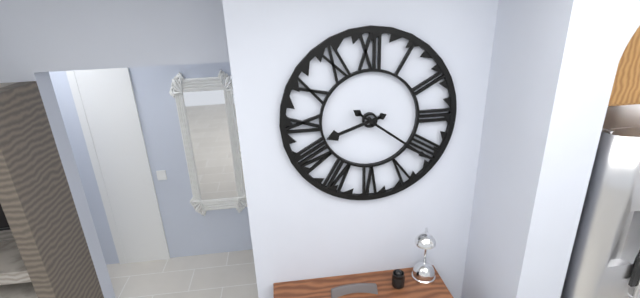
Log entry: 8:21
